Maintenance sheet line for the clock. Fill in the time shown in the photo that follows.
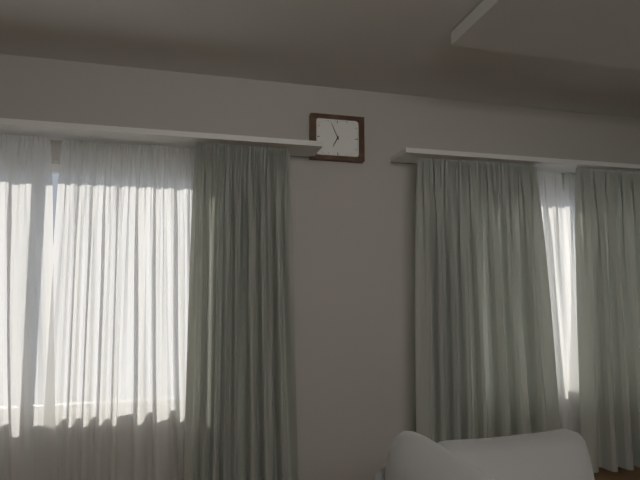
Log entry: 6:56
